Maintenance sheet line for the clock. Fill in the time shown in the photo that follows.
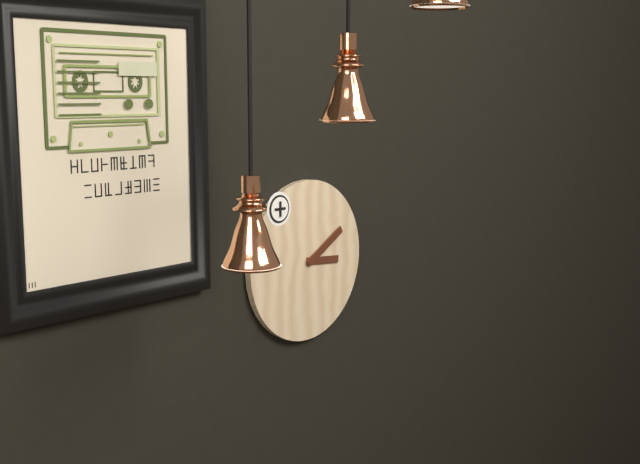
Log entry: 3:10
